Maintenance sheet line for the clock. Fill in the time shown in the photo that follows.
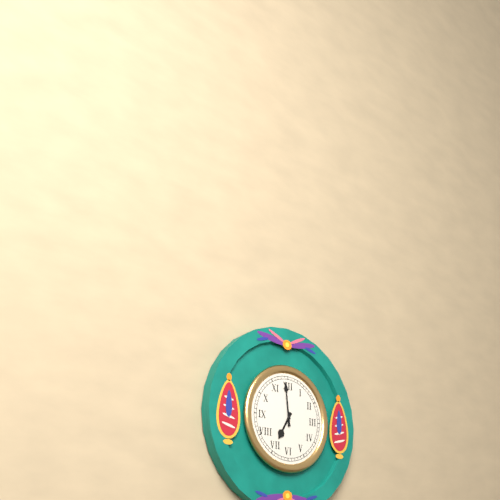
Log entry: 6:59
